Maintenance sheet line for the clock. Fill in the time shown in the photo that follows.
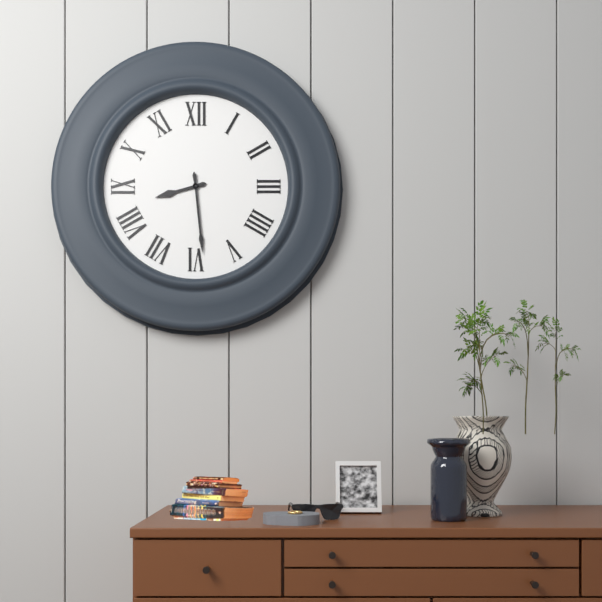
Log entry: 8:29
